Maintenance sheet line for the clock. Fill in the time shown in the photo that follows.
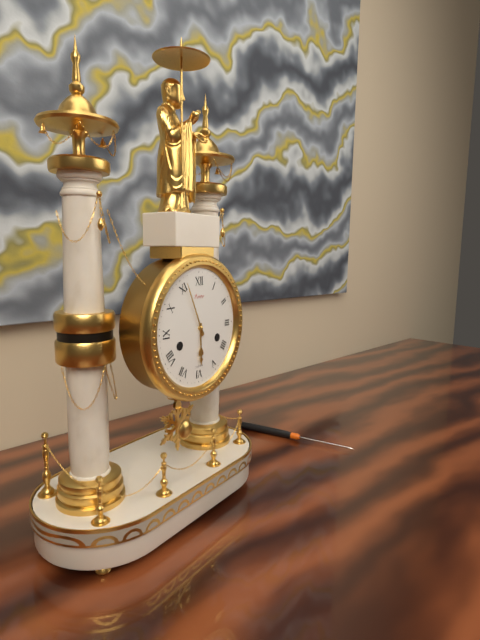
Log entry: 5:56
